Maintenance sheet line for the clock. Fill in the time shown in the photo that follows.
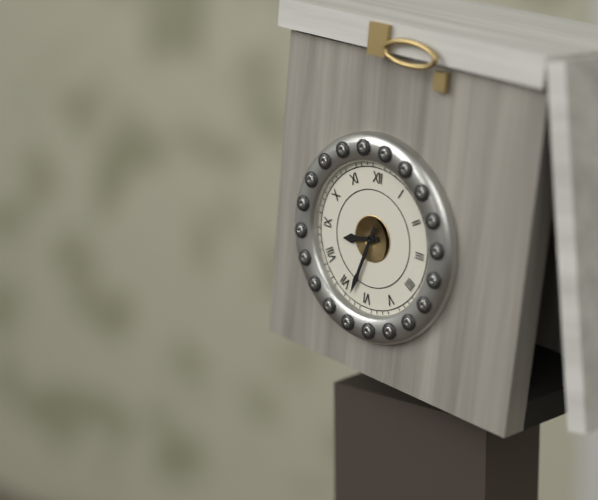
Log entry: 8:33
